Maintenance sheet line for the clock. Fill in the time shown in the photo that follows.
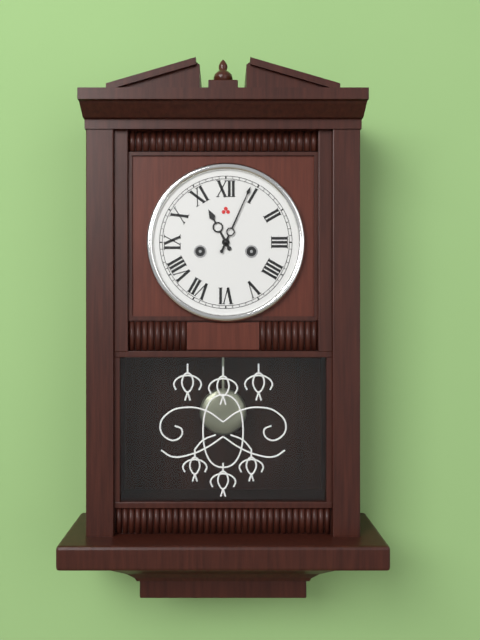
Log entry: 11:04
